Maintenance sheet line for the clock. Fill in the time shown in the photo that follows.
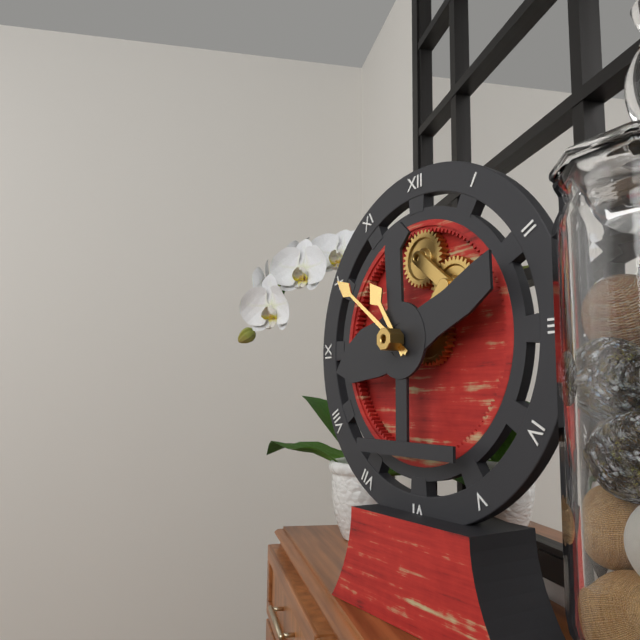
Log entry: 10:51
